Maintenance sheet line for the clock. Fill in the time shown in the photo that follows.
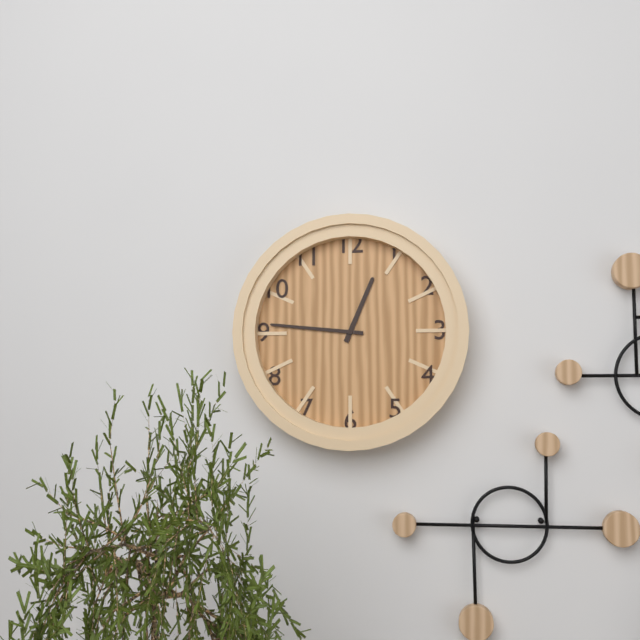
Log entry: 12:46
